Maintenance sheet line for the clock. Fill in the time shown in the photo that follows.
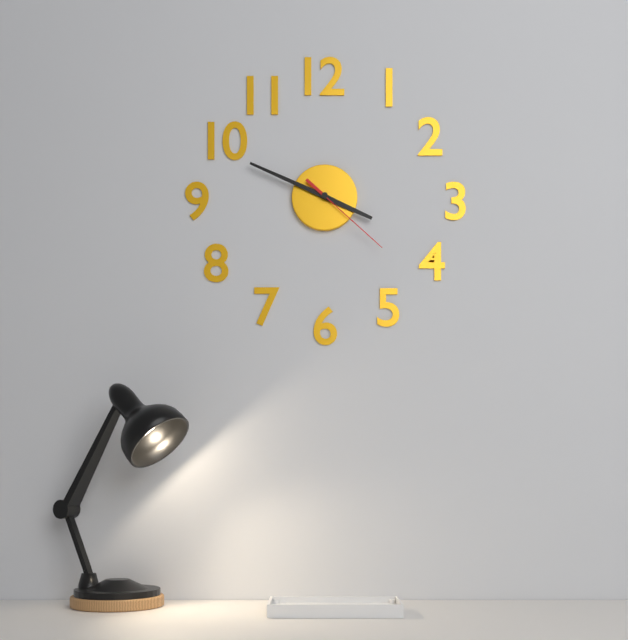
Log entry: 3:49:22
